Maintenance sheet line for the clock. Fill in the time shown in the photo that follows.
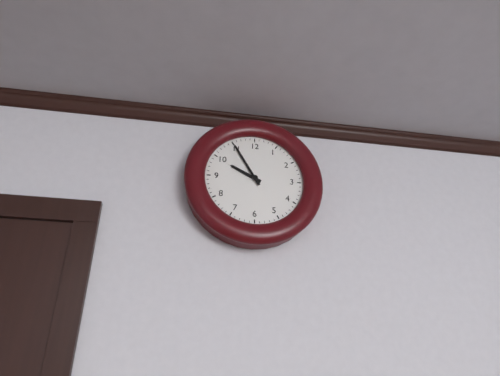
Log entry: 9:55
